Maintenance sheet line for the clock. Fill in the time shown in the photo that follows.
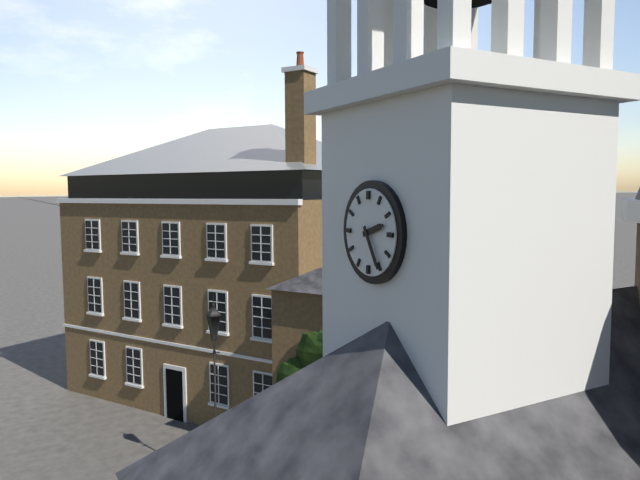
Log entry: 2:25
